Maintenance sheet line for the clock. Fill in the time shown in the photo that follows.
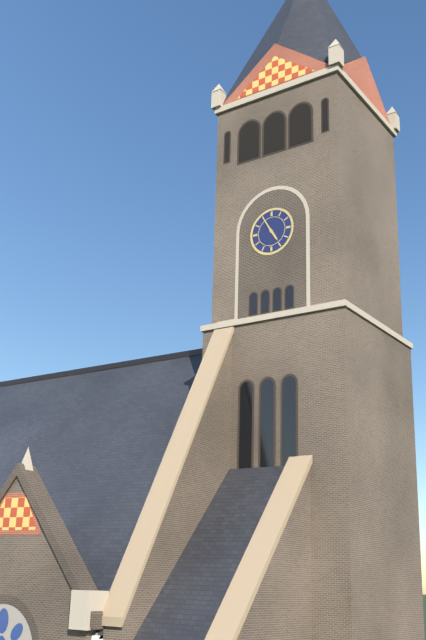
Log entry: 4:55
